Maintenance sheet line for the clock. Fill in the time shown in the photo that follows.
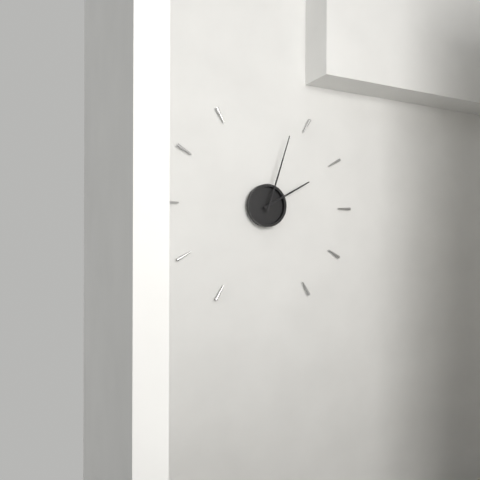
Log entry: 2:03
